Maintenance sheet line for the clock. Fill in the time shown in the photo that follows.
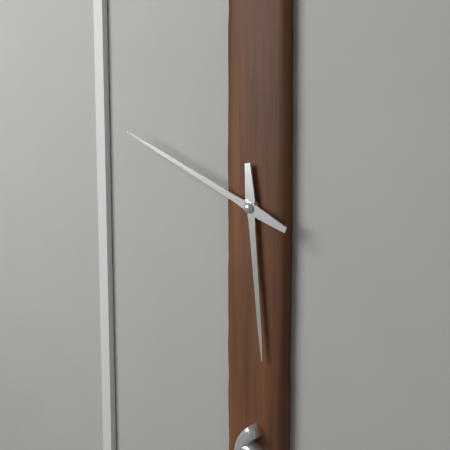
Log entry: 5:49
